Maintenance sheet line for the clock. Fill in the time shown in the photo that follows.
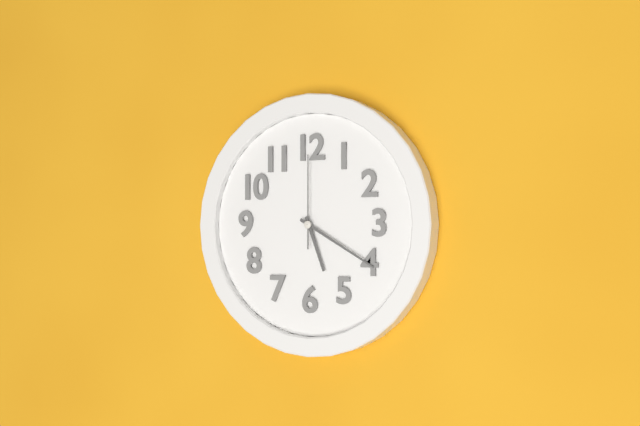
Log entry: 5:20:00
